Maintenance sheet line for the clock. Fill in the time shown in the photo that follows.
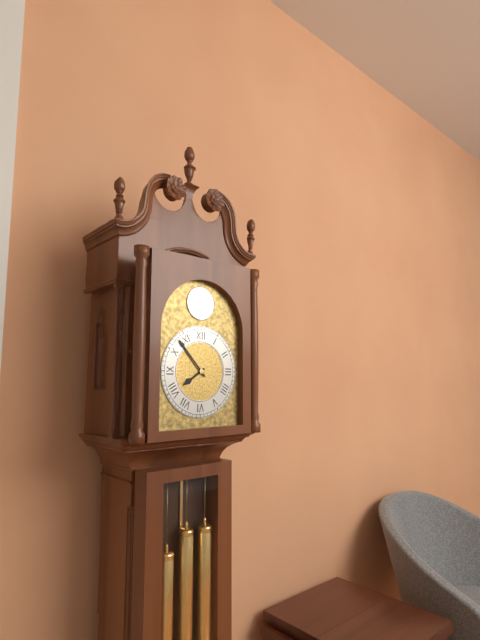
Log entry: 7:53
